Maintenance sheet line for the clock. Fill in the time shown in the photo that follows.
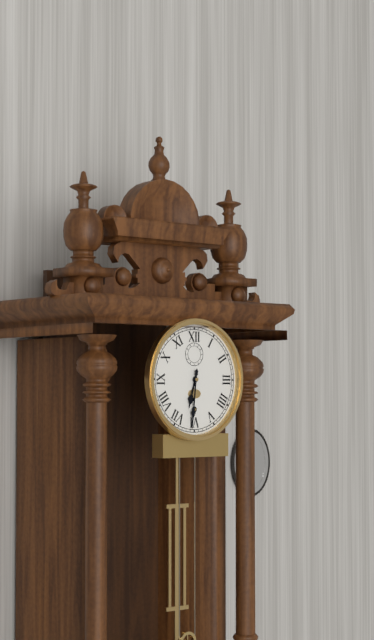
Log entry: 6:31
